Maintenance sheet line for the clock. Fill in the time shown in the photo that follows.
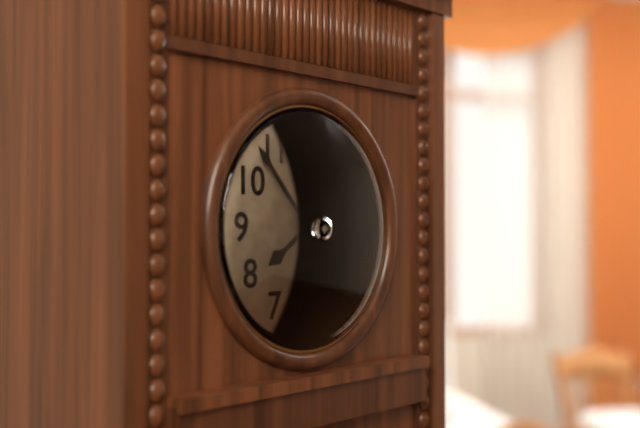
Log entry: 7:53
